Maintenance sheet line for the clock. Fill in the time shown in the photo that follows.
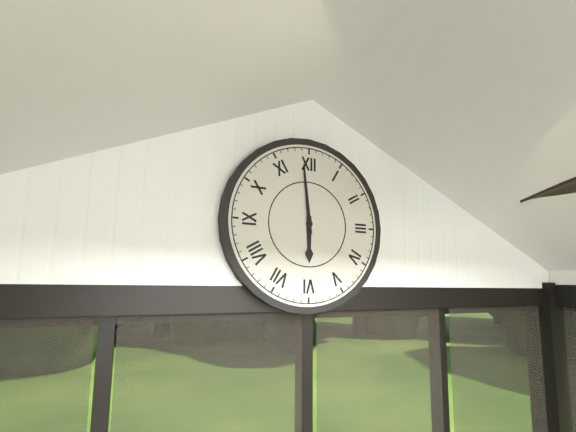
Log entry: 5:59
